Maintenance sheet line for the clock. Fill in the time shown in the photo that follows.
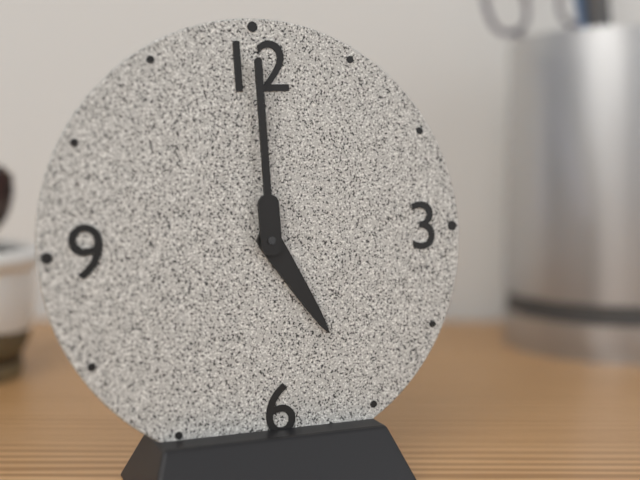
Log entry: 5:00
